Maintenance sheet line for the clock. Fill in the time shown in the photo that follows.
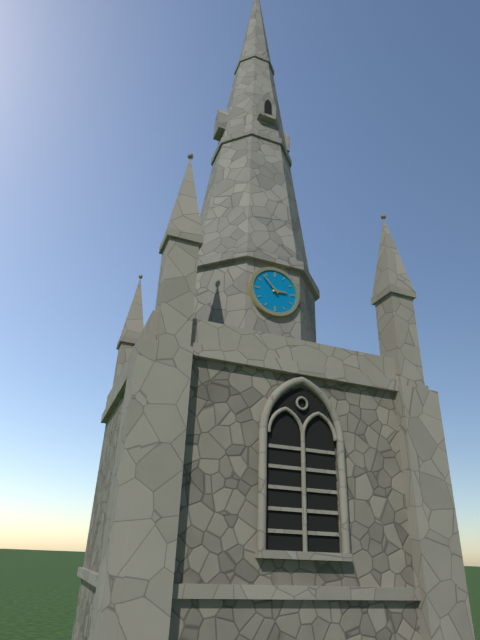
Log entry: 2:53
